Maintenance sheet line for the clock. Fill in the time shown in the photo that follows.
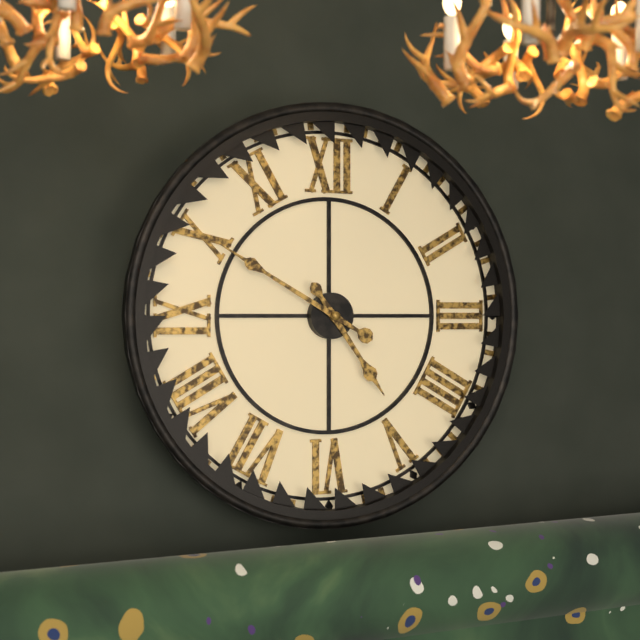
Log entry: 4:50
